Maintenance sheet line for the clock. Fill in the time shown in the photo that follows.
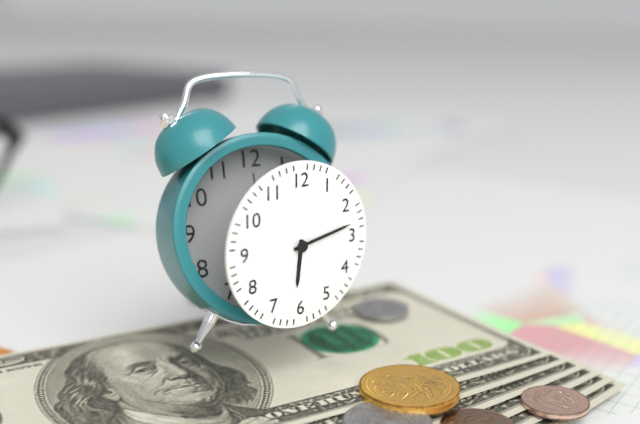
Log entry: 6:13
